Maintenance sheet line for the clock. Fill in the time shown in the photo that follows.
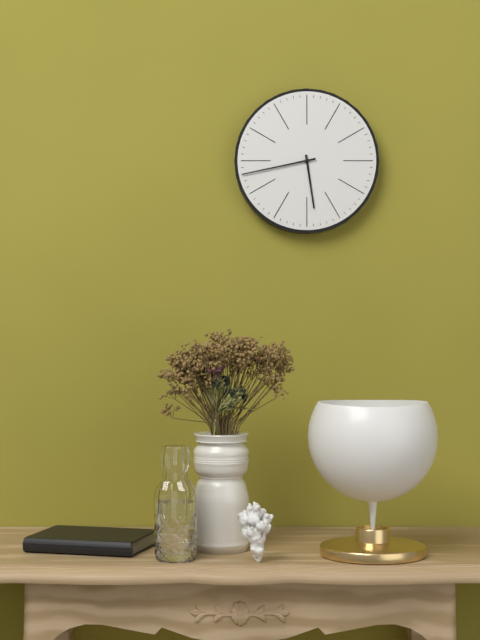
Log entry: 5:43
